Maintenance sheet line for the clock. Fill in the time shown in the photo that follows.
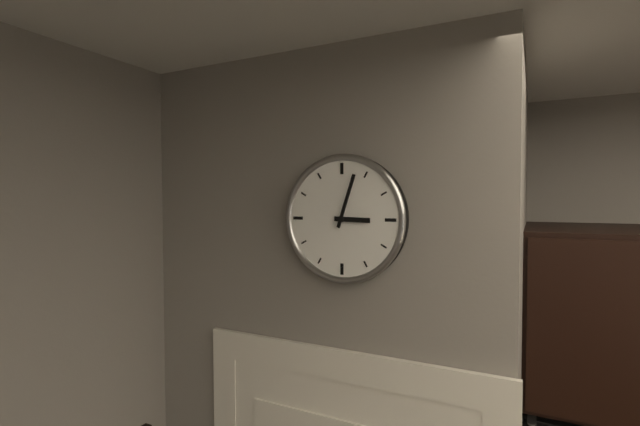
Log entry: 3:03
